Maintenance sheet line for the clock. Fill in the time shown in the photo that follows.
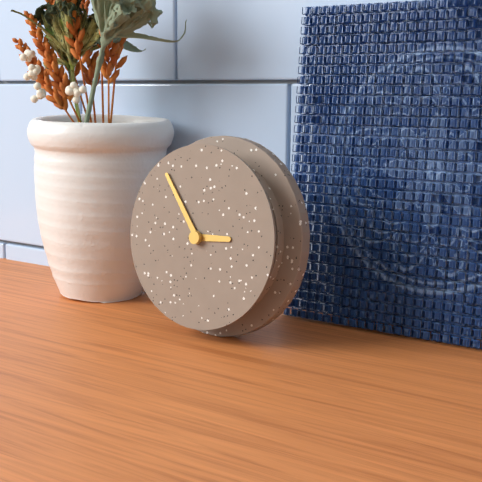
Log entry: 2:54
